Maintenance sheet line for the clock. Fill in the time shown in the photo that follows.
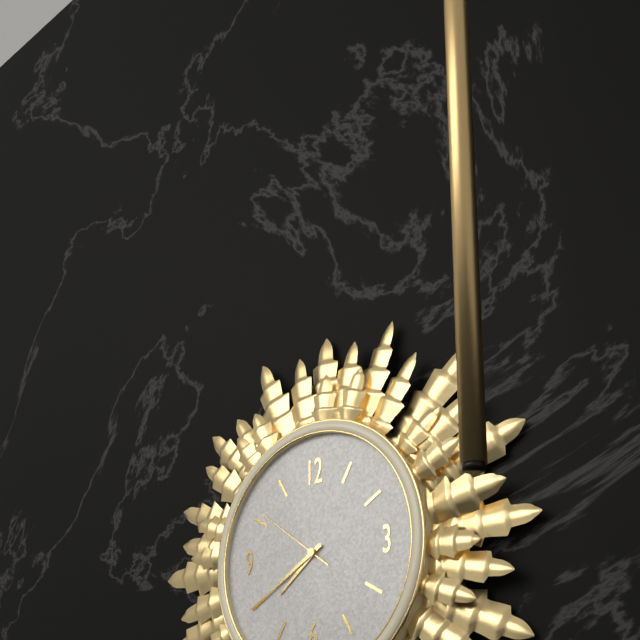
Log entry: 7:40:51
